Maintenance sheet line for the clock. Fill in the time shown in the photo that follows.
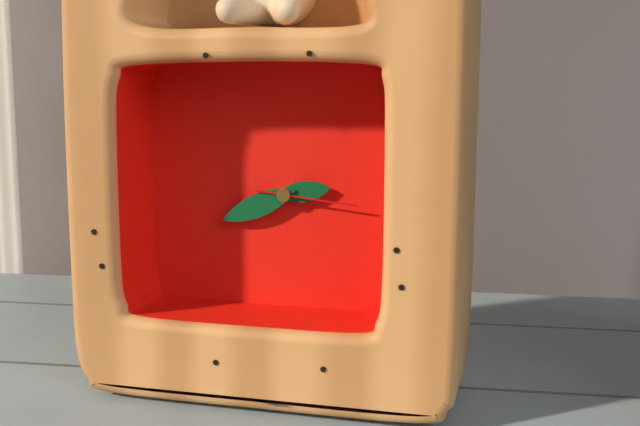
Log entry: 2:41:16
